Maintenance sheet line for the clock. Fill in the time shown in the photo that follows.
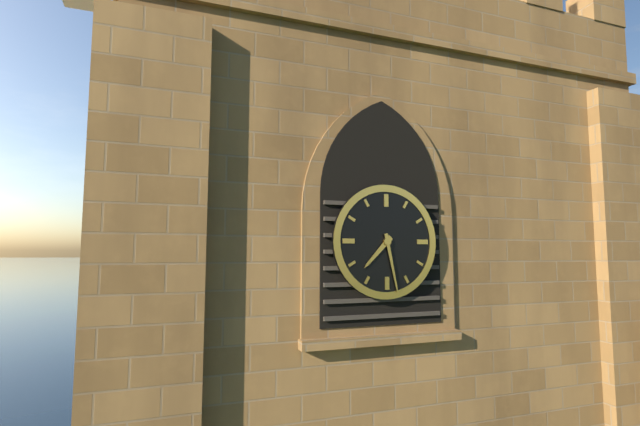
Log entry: 7:28
